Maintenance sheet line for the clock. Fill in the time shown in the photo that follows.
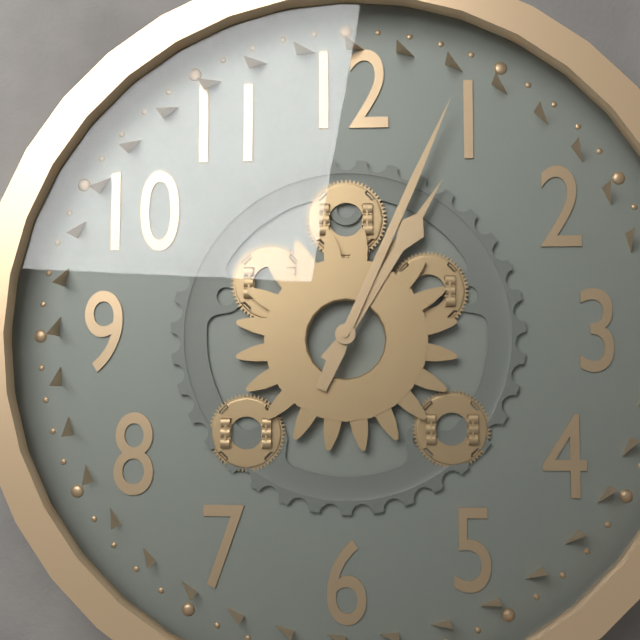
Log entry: 1:04
